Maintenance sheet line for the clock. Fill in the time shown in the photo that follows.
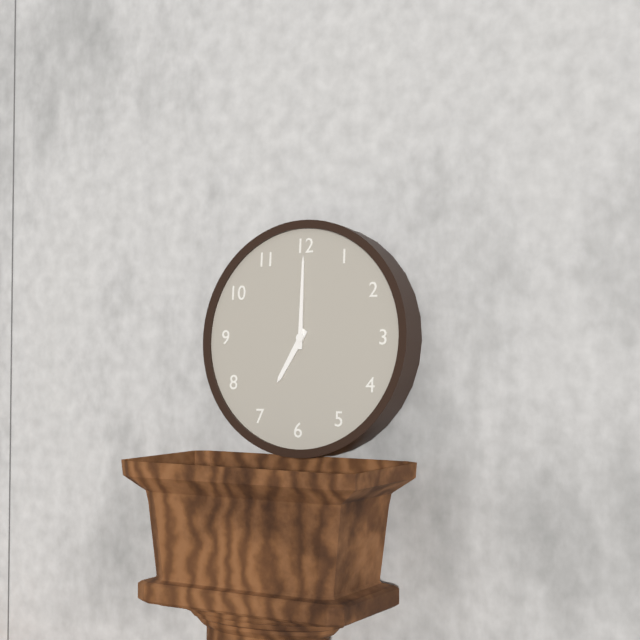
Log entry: 7:00
